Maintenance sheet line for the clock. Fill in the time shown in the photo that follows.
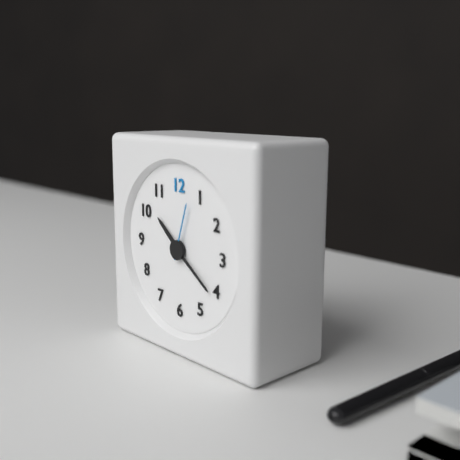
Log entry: 10:21:03
